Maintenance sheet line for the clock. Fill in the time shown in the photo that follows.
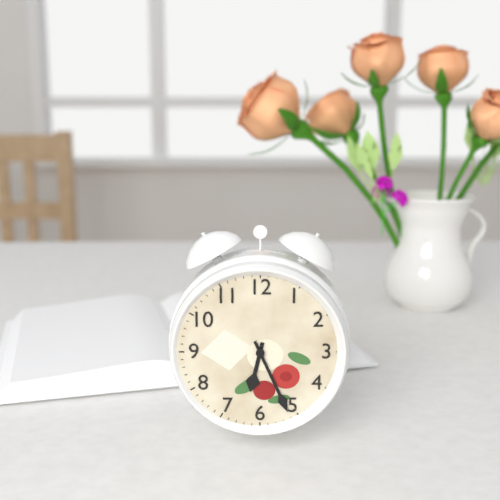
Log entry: 6:26
